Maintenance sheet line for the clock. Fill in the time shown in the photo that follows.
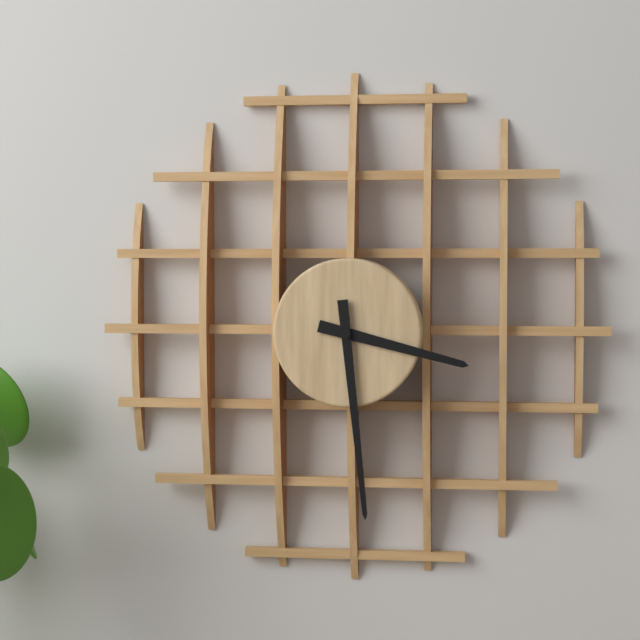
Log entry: 3:29
